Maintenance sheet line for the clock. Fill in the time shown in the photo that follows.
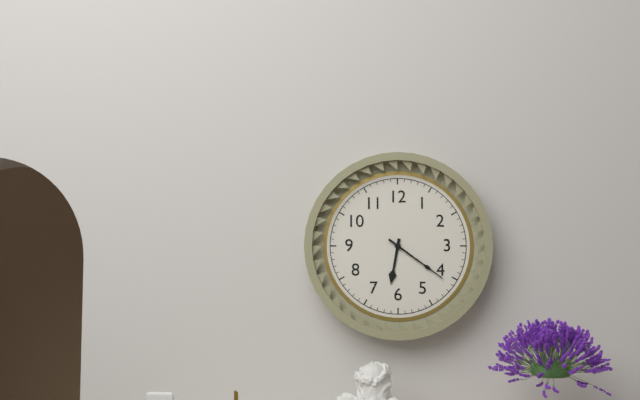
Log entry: 6:21
